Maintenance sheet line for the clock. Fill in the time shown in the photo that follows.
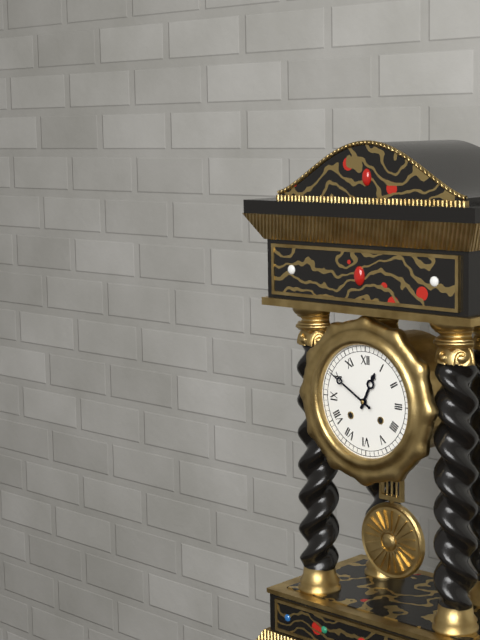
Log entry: 12:50
